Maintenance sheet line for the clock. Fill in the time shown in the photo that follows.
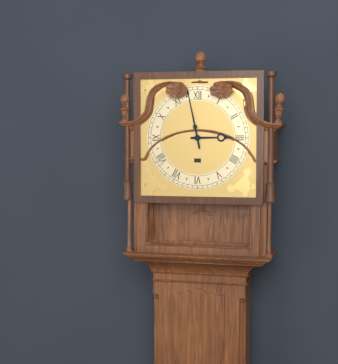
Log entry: 2:58
